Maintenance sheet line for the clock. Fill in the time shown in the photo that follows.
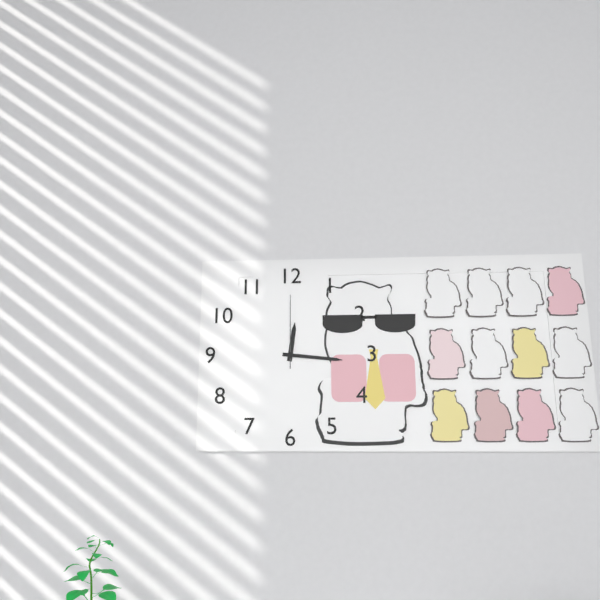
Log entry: 12:16:00
